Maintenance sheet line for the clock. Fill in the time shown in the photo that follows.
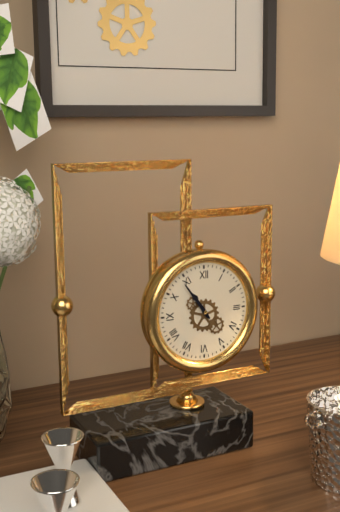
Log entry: 10:54
